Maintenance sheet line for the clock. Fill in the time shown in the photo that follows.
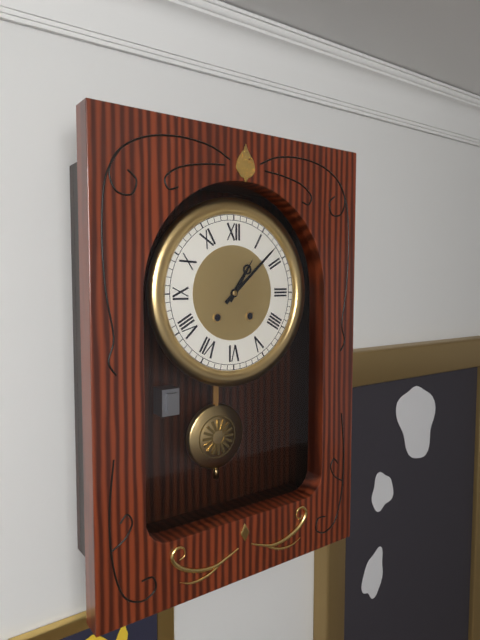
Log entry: 1:08
